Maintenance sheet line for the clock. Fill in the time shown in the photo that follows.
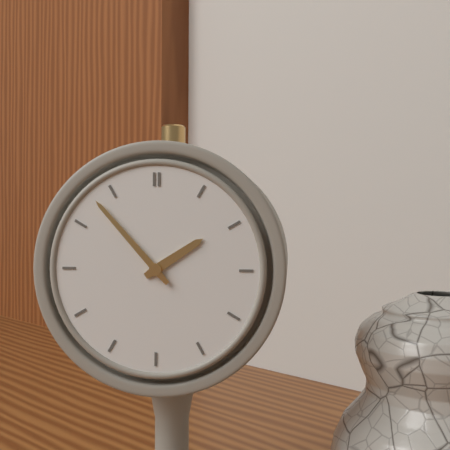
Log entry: 1:53
